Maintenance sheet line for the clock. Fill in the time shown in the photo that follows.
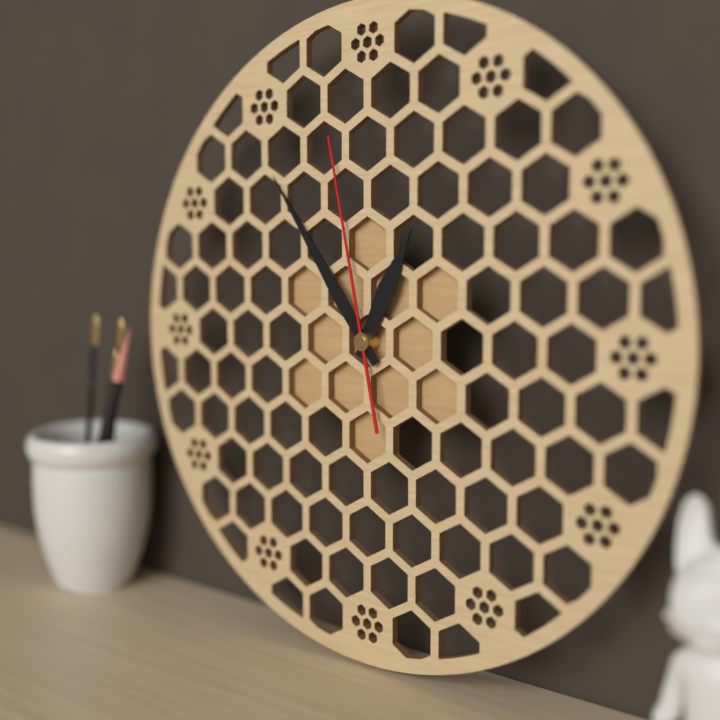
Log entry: 12:54:58
